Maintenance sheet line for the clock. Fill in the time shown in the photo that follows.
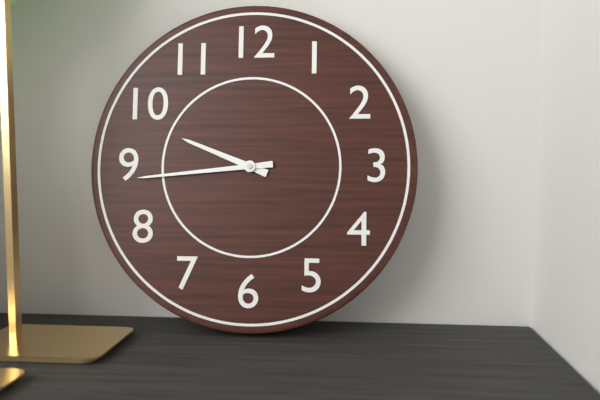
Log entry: 9:44
